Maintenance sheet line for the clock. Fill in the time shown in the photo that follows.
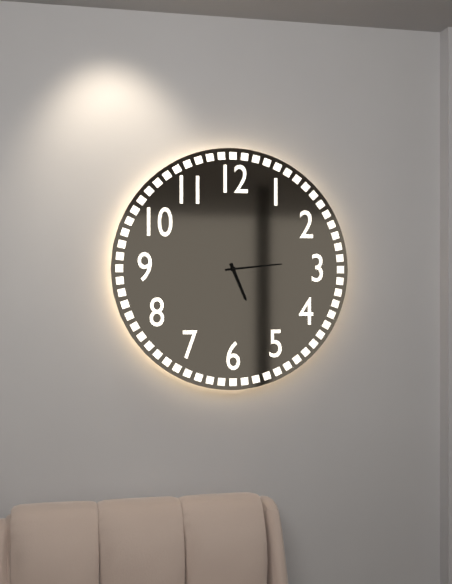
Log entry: 5:14
